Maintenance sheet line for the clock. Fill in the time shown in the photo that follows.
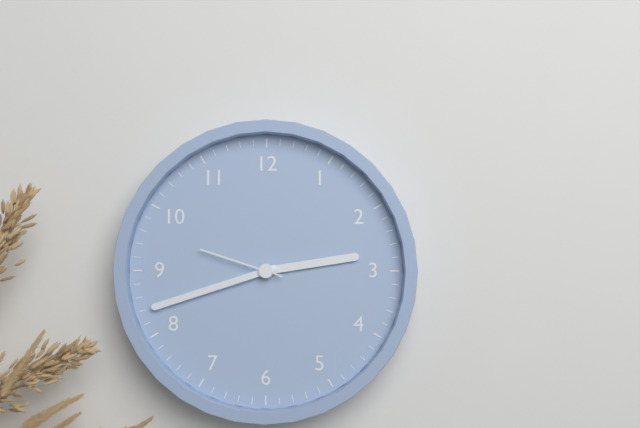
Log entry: 2:42:48
